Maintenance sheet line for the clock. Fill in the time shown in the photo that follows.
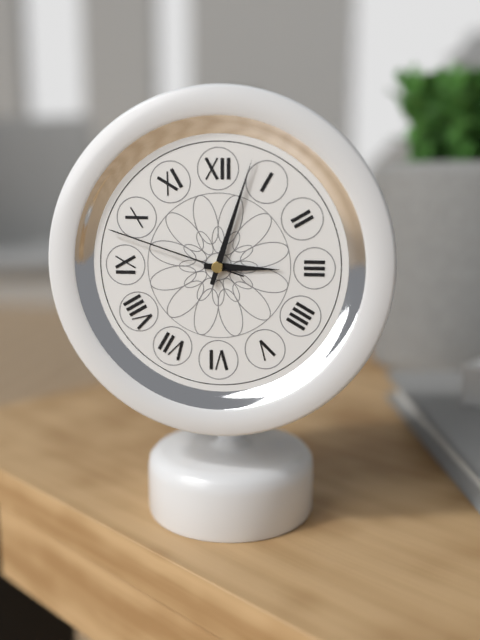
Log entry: 3:03:48
